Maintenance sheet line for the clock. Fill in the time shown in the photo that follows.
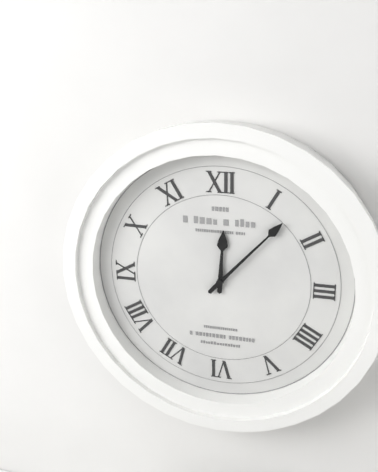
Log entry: 12:07
